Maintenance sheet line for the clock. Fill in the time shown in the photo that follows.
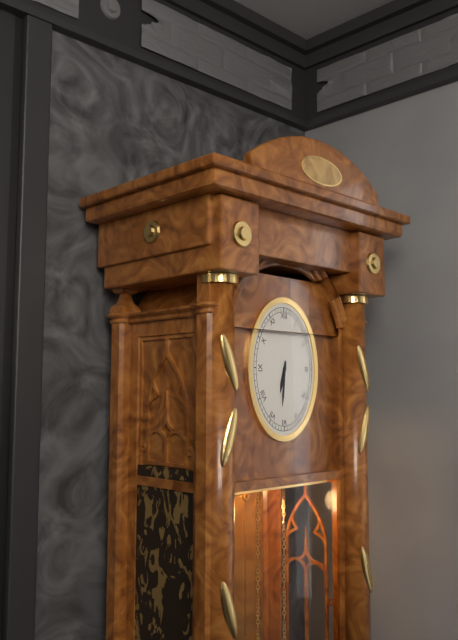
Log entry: 6:31
